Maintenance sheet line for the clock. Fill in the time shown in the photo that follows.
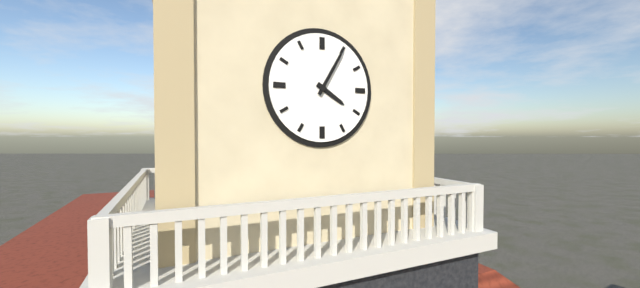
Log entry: 4:05
